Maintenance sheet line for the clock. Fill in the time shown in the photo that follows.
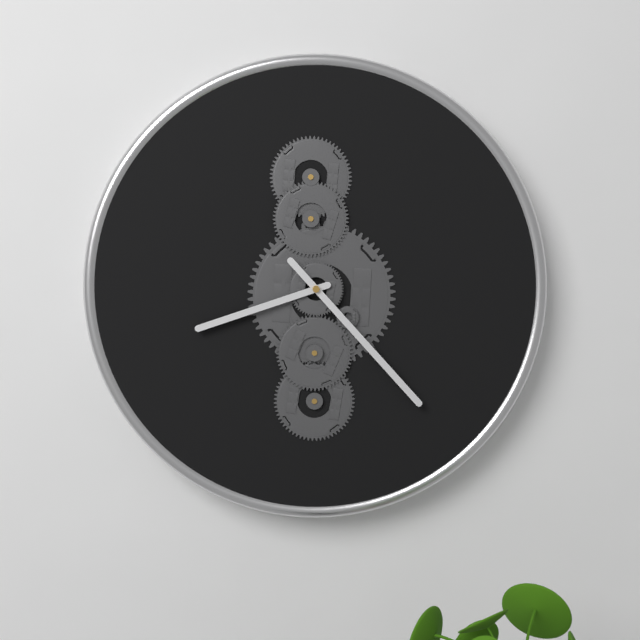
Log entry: 8:23
